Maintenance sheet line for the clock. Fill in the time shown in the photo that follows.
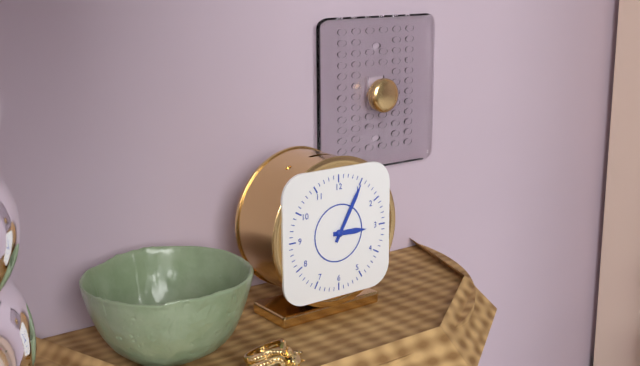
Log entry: 3:05
